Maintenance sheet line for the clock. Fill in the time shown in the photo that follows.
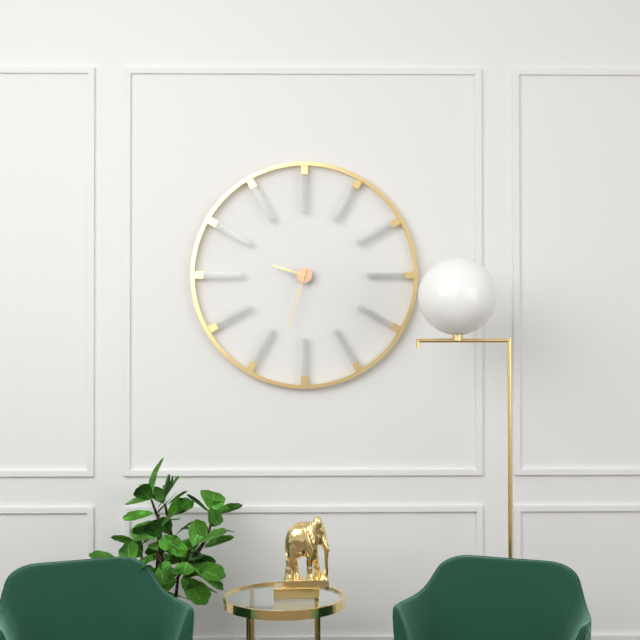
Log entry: 9:33
